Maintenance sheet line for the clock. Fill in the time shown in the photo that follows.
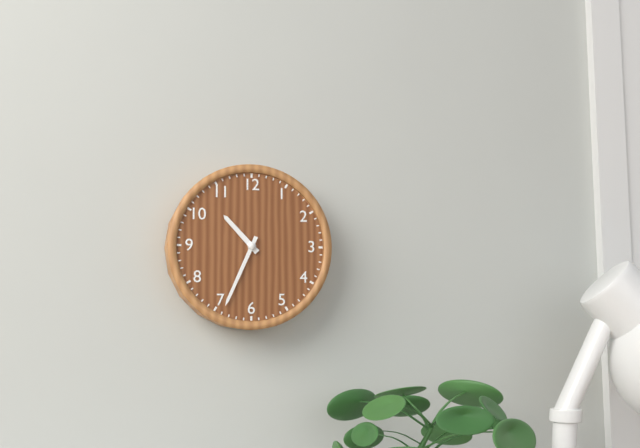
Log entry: 10:34
